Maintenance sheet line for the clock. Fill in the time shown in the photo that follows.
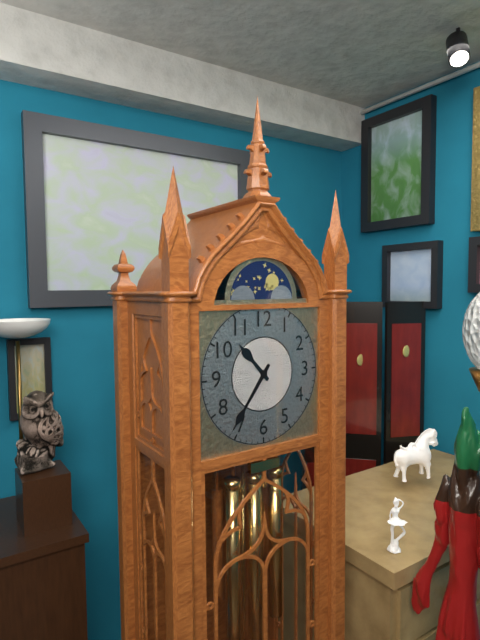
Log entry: 10:36
